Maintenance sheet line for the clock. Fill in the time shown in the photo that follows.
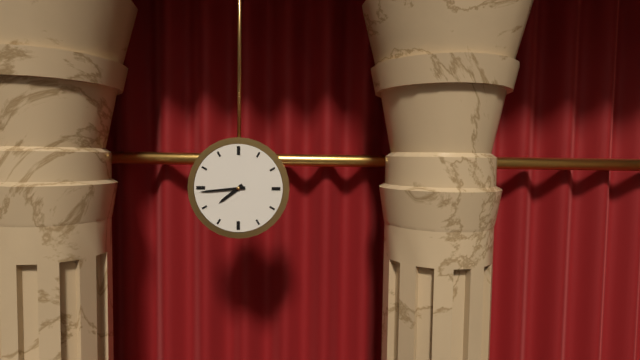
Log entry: 7:44
